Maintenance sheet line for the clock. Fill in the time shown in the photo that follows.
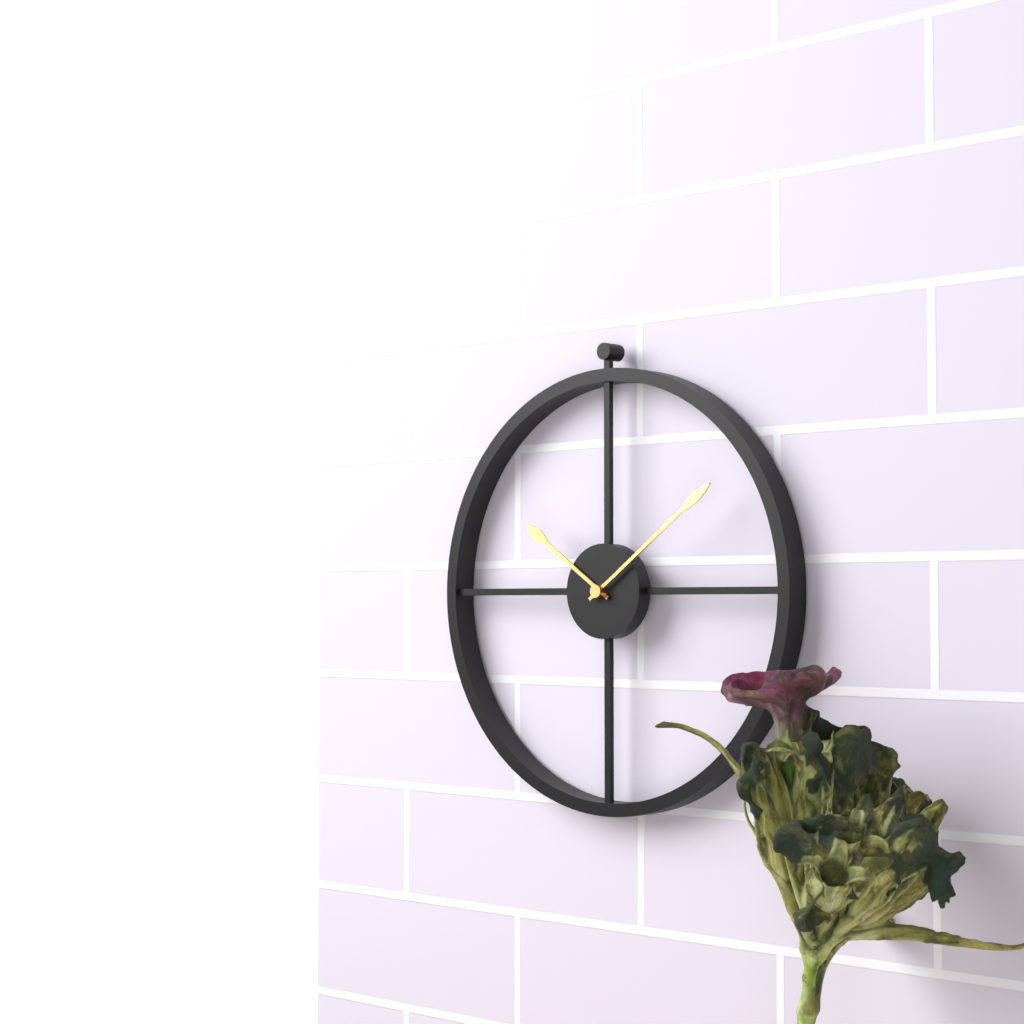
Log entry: 10:09
